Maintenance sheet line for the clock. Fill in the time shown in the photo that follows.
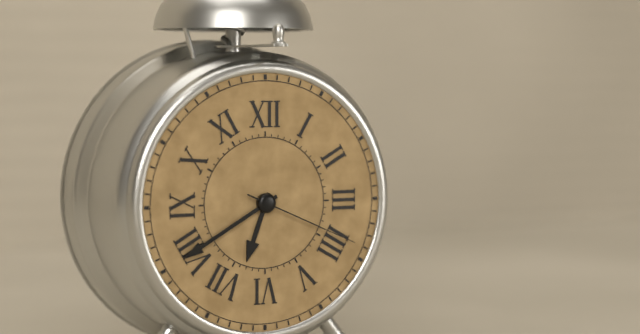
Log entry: 6:40:19
